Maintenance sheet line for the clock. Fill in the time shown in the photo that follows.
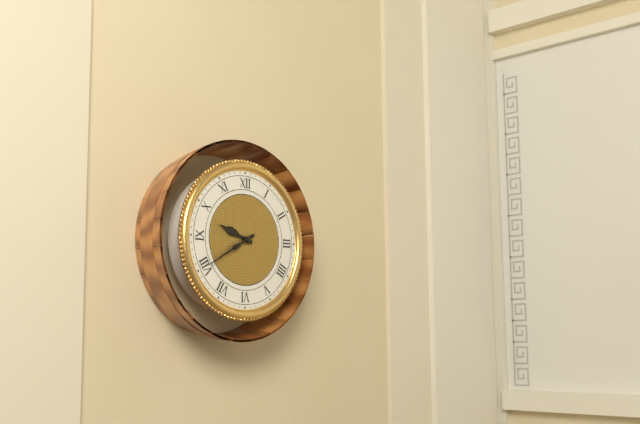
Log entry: 9:40
